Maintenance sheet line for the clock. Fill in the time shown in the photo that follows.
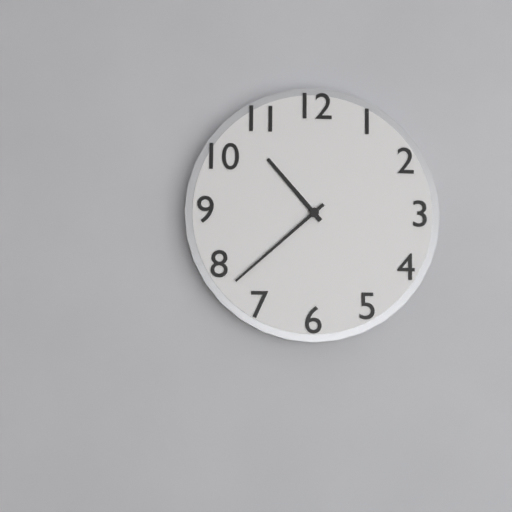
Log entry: 10:38
